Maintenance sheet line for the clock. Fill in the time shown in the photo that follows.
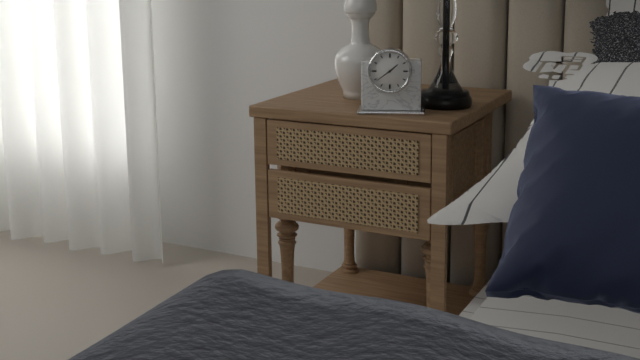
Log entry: 1:39
